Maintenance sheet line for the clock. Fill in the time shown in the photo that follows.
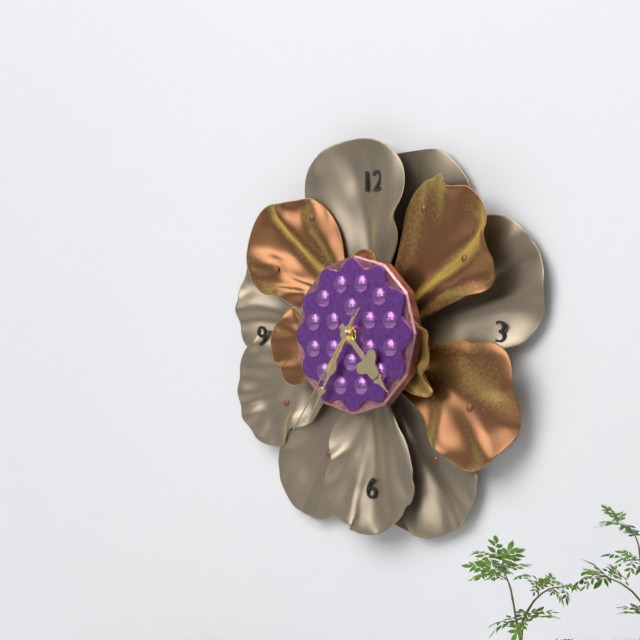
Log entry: 4:35:36
